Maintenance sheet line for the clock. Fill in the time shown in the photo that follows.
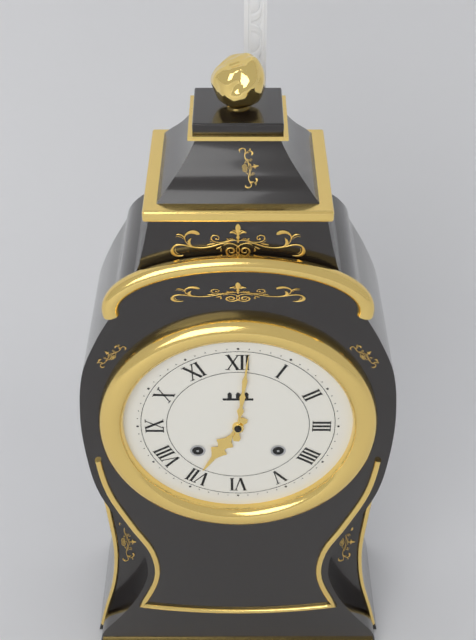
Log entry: 7:01
